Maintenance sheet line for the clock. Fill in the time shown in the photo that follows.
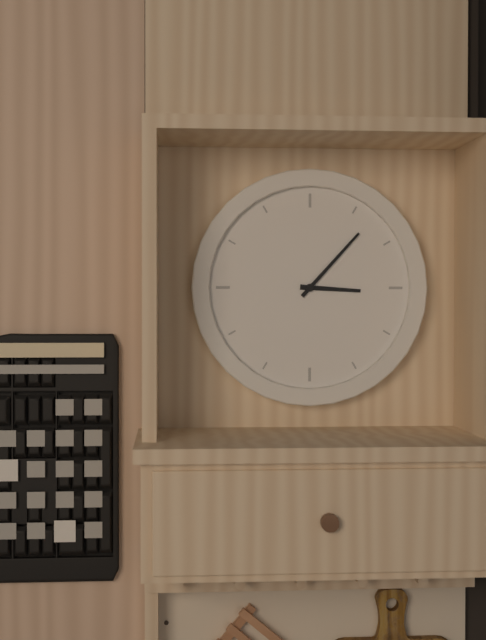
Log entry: 3:07
